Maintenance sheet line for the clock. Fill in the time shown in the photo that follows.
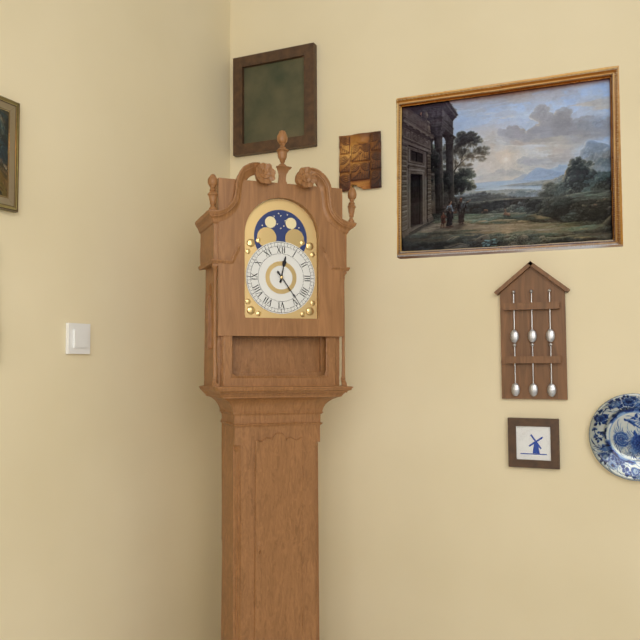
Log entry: 12:24
